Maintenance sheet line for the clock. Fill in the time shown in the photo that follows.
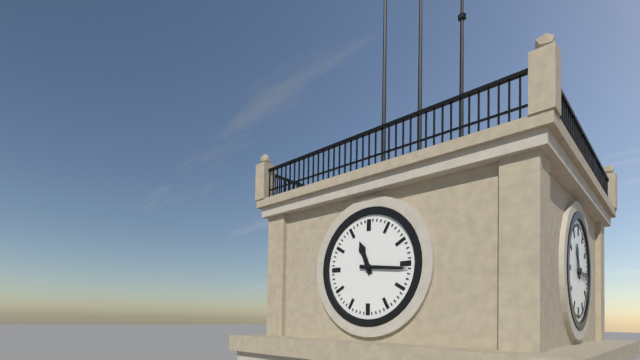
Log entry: 11:16
